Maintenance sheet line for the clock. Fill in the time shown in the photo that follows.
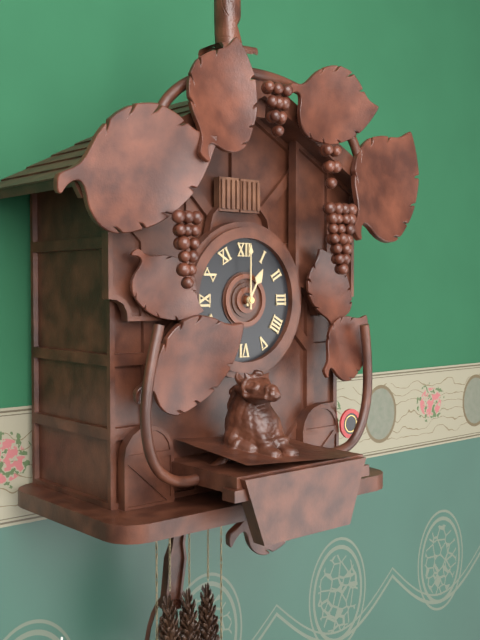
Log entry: 1:00
